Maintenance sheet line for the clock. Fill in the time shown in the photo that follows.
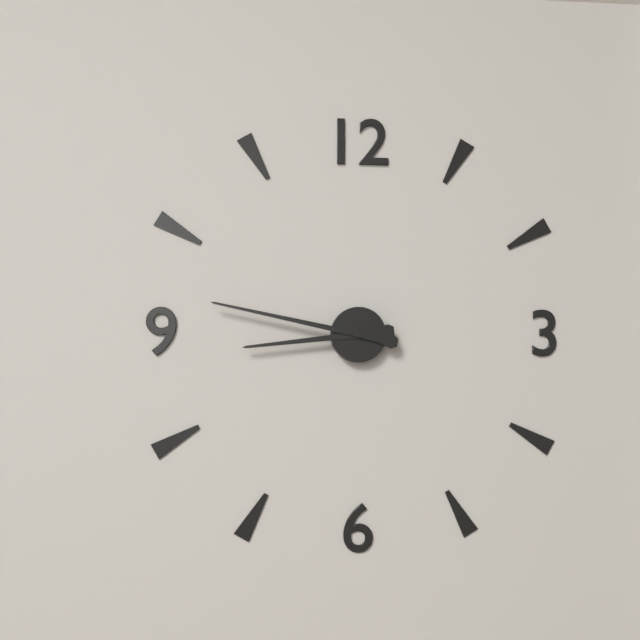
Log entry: 8:47
